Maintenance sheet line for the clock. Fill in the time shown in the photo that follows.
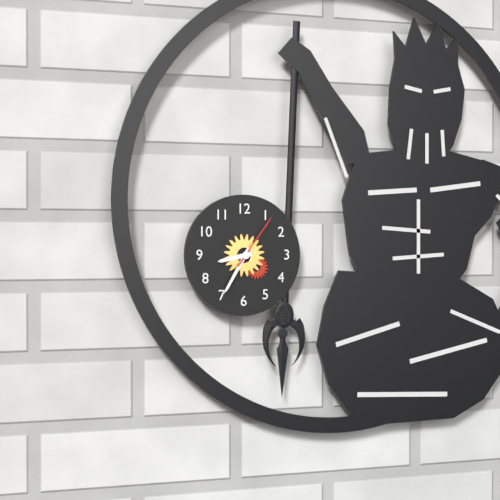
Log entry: 8:35:06
